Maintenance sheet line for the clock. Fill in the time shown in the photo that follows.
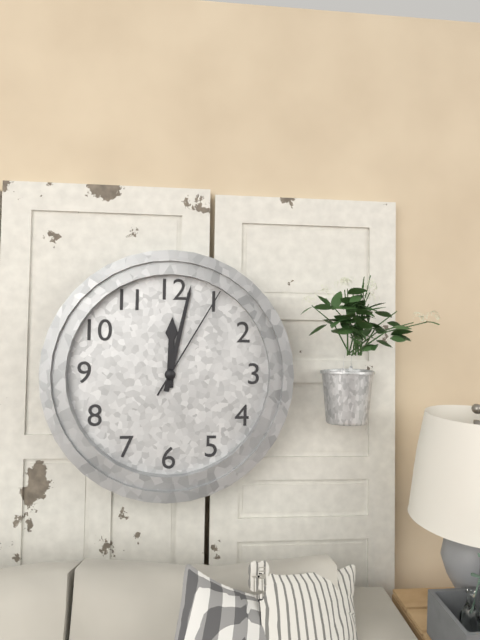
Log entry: 12:02:05
